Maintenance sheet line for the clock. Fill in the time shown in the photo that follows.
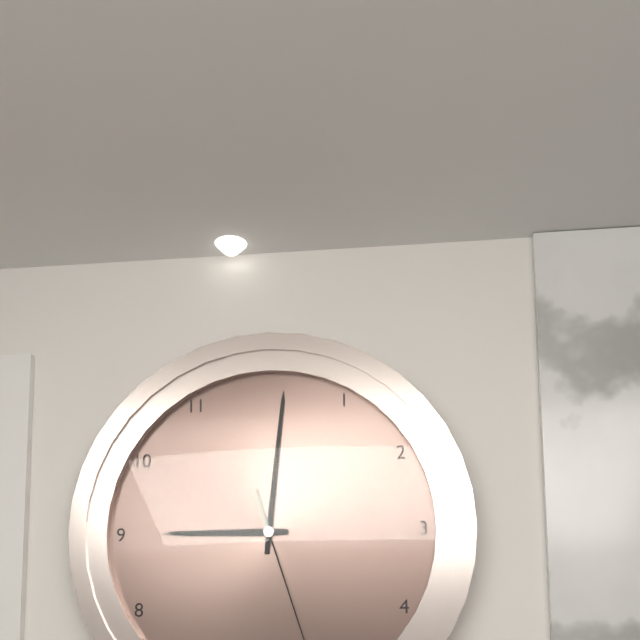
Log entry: 9:01
